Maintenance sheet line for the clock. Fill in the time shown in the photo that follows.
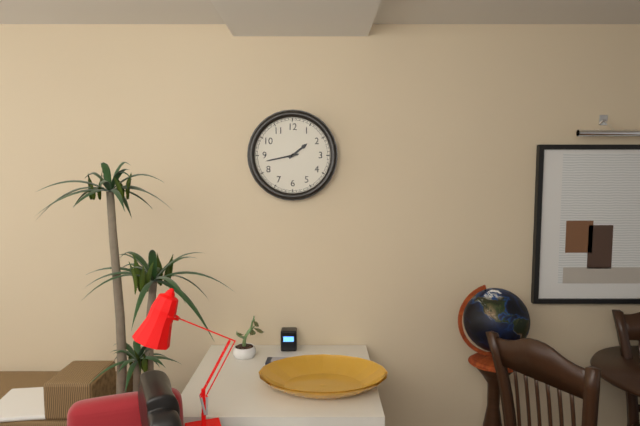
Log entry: 1:43
